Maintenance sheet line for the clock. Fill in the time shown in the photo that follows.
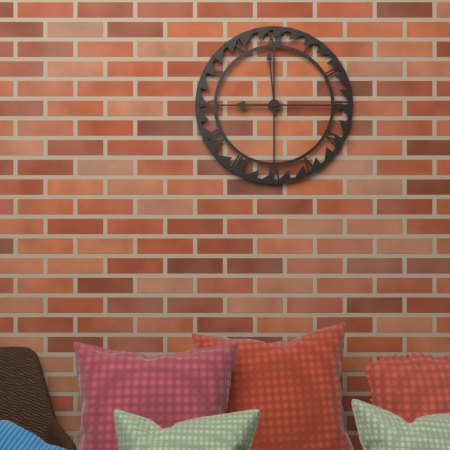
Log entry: 8:59
